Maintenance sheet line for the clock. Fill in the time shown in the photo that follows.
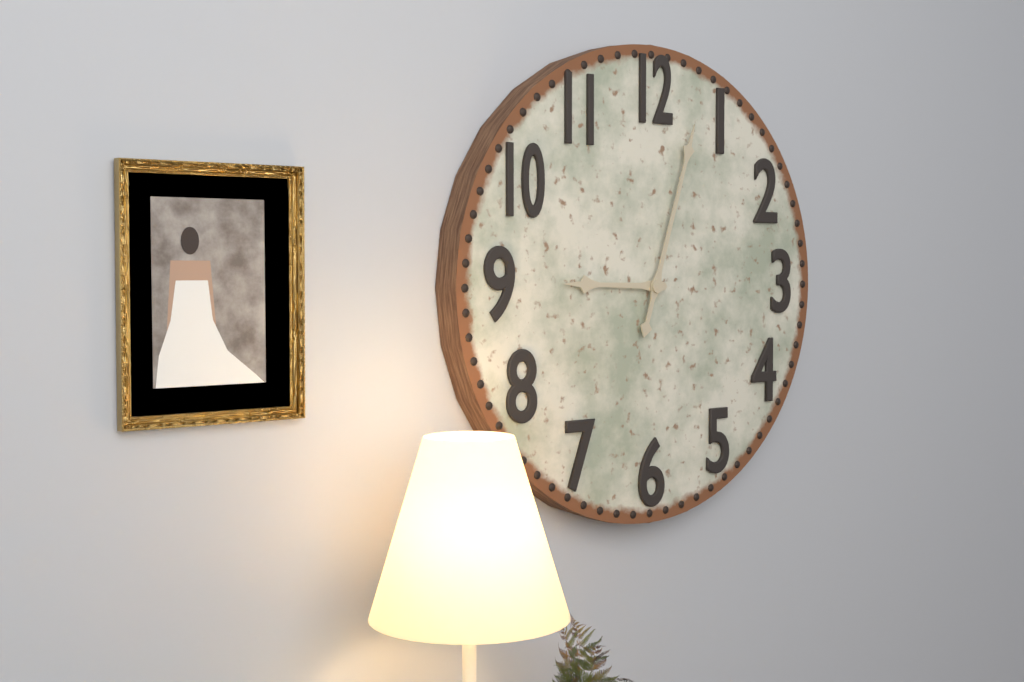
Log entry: 9:03
